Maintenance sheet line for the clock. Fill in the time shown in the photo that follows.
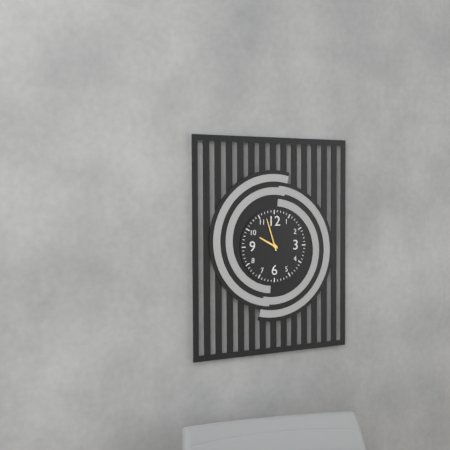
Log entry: 9:57
